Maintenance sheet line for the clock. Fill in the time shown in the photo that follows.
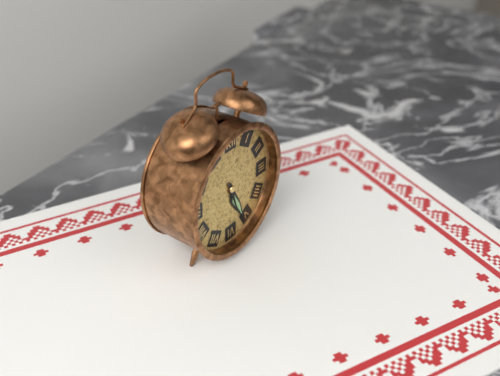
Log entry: 5:26
